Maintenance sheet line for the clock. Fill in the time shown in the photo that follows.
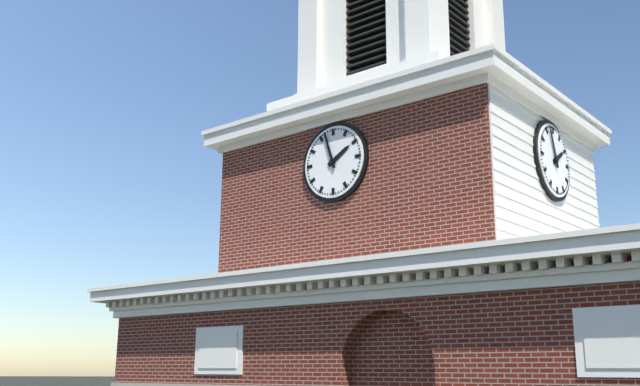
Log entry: 1:57
